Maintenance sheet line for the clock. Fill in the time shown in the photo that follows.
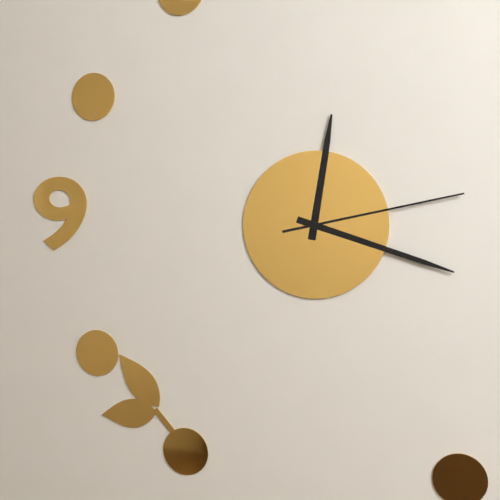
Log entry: 12:18:13
